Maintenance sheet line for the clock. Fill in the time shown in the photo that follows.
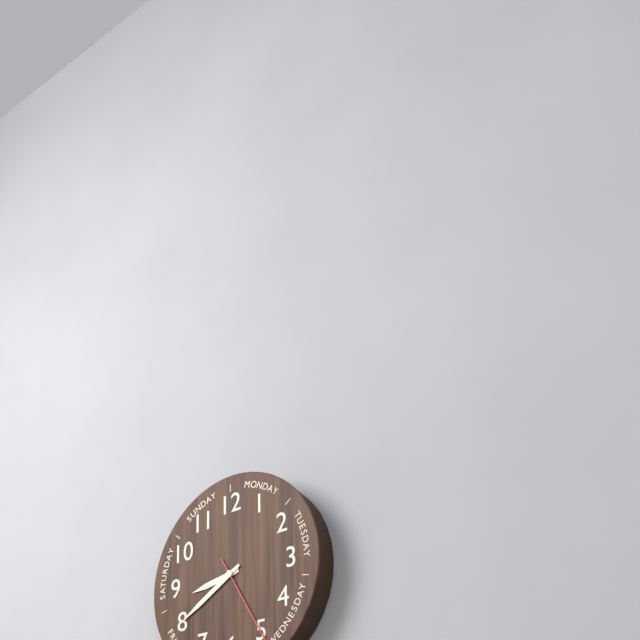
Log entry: 8:40
